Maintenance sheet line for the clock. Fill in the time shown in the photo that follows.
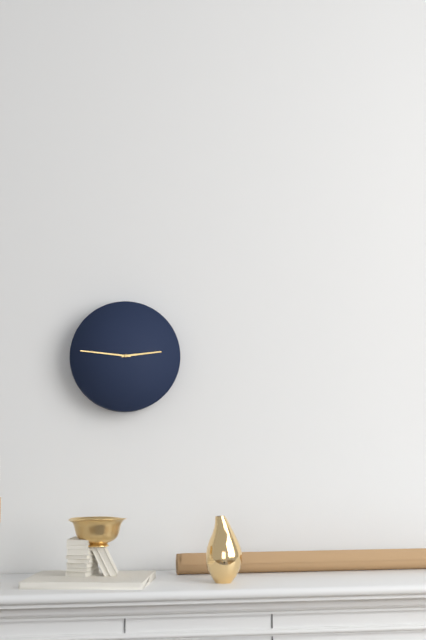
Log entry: 2:46
